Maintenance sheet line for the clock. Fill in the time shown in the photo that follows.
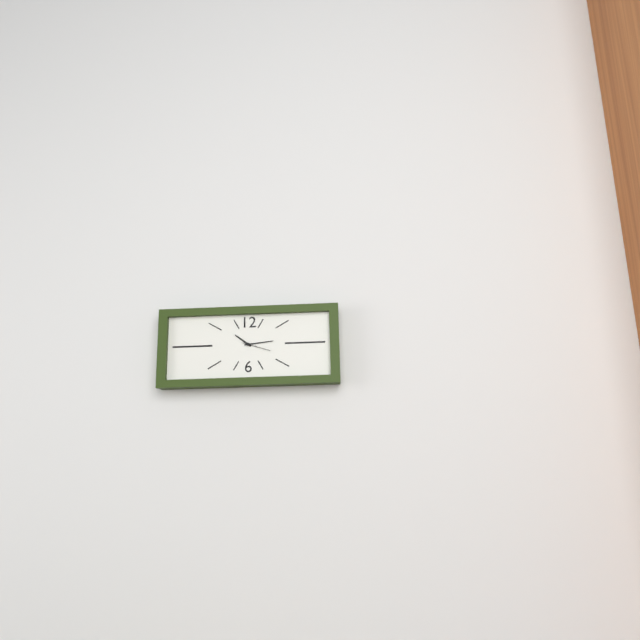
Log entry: 10:14
